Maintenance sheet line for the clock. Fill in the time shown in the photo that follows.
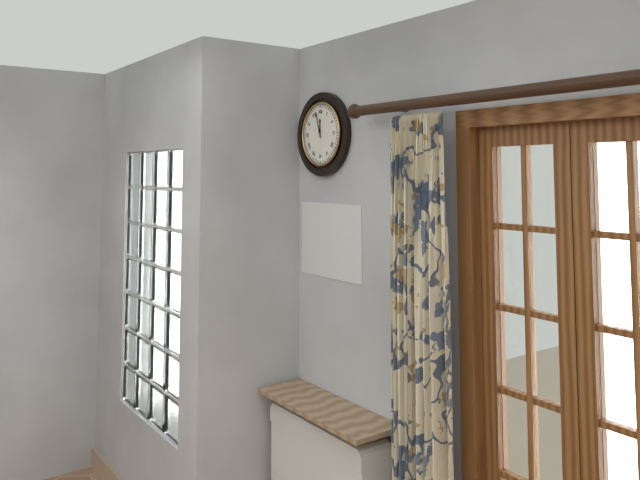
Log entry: 11:57
